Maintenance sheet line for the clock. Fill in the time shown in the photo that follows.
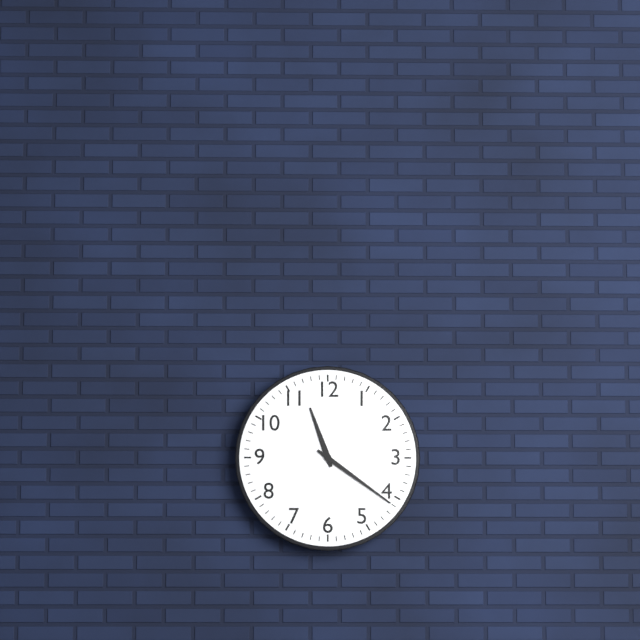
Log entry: 11:21
